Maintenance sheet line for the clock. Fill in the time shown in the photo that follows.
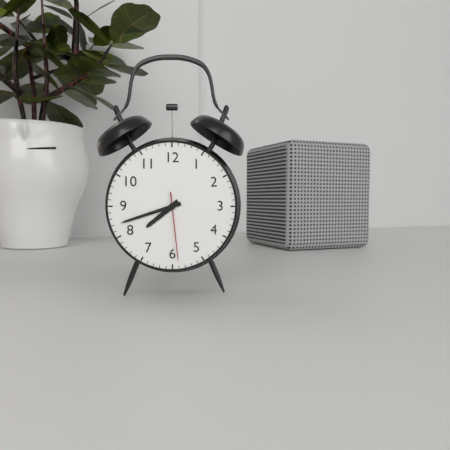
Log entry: 7:42:29
